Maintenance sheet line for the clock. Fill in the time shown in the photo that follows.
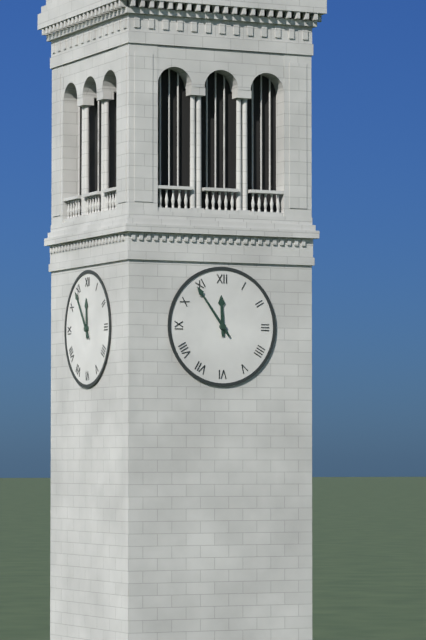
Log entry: 11:54
